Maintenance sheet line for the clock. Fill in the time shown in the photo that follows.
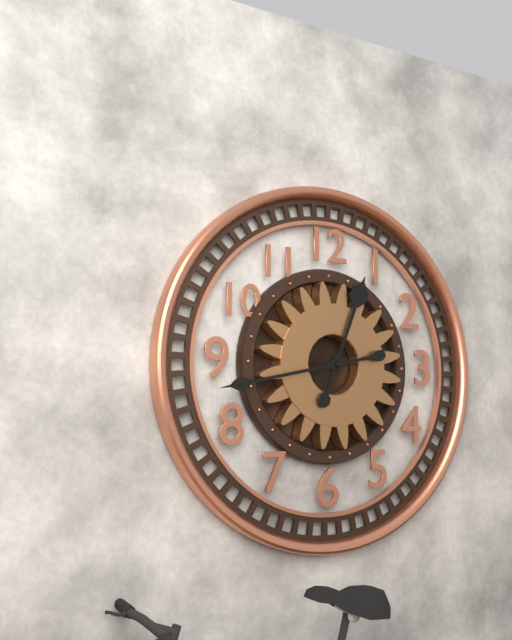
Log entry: 12:43
